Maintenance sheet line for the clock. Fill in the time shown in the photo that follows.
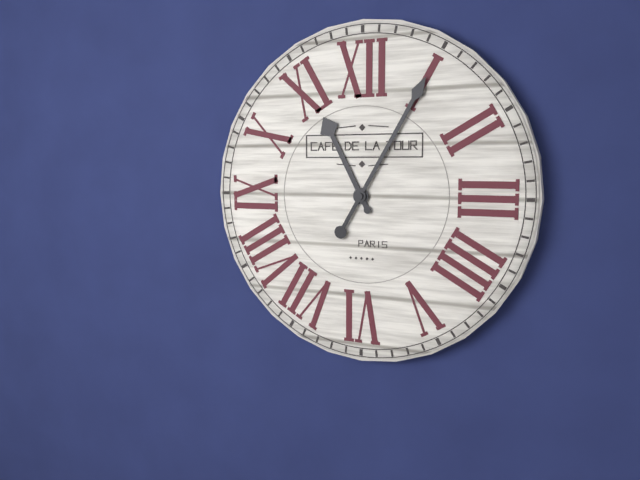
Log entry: 11:05
